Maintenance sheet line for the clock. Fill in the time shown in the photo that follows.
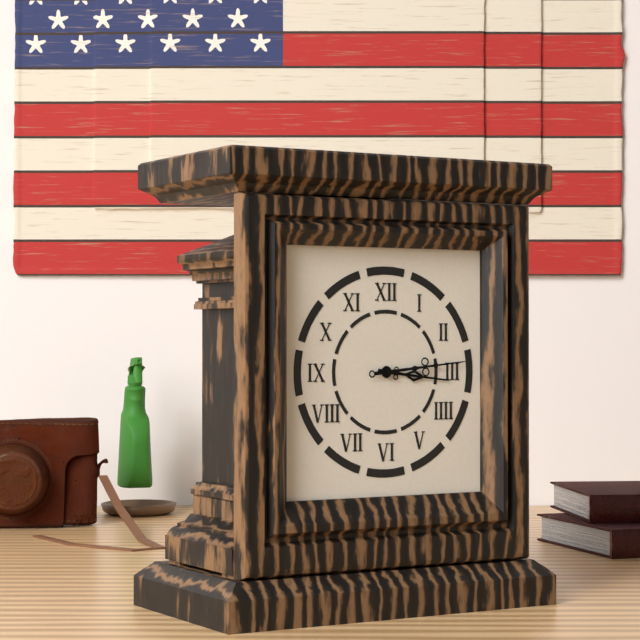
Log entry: 3:14
